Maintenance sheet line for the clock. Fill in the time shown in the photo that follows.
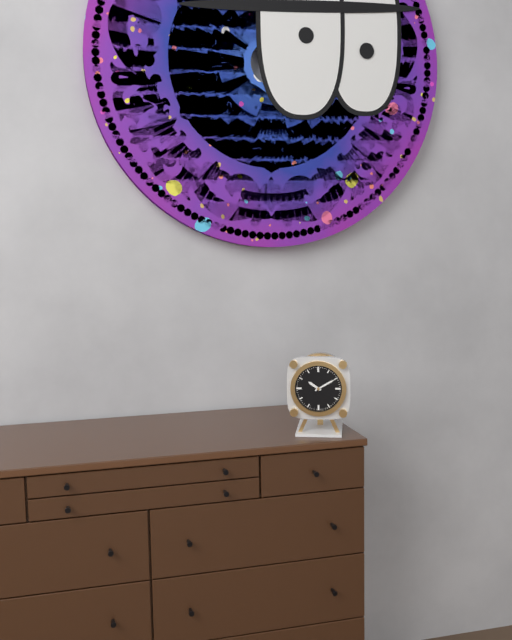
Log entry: 10:10
